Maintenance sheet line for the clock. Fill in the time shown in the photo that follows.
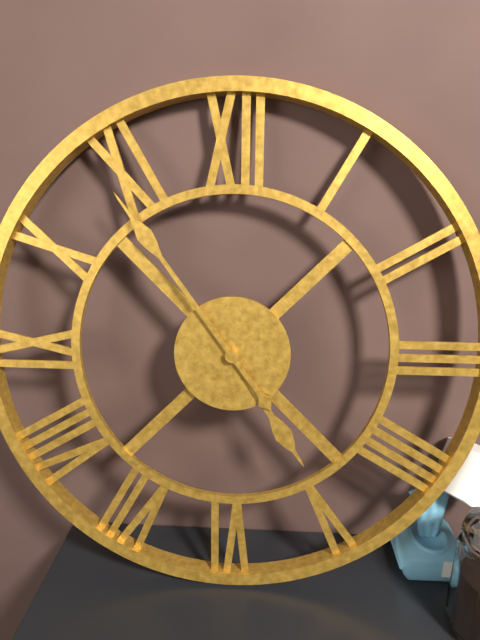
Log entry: 4:54
